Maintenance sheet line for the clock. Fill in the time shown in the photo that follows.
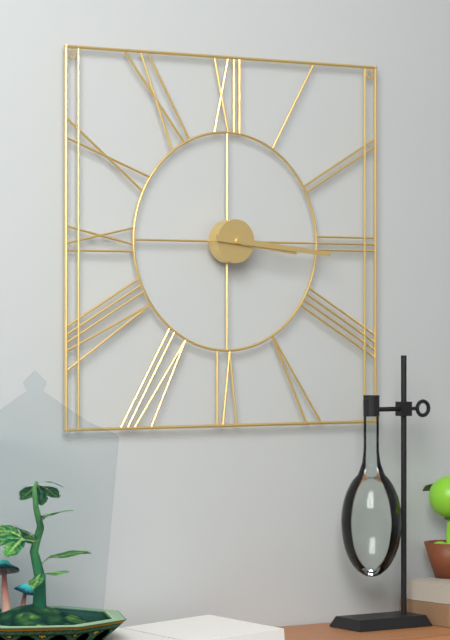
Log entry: 3:16
